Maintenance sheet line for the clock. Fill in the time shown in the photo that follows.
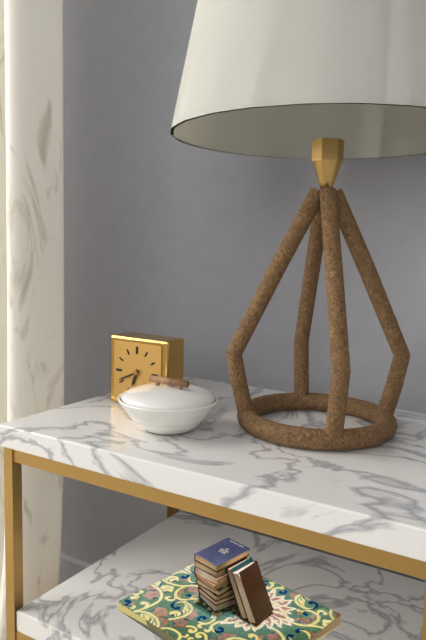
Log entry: 6:41
